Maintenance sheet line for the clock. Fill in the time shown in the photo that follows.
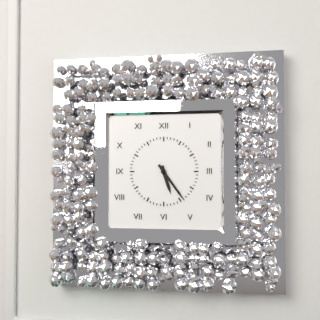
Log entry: 5:24
